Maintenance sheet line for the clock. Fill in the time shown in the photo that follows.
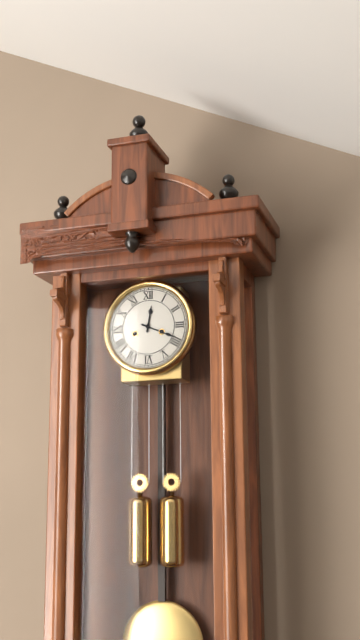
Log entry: 12:19
